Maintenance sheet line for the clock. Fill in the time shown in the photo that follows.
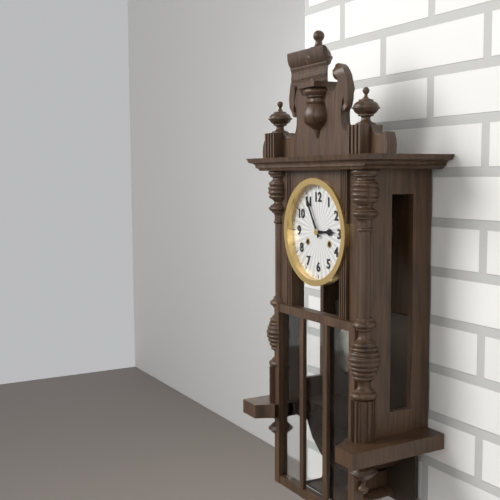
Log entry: 2:55
